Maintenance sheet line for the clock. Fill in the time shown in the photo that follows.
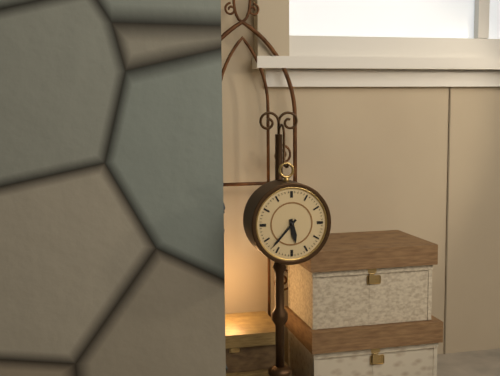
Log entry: 5:37
